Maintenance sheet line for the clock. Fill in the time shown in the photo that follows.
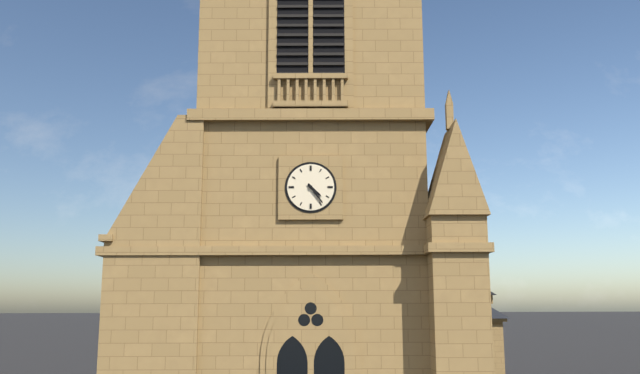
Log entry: 4:24
